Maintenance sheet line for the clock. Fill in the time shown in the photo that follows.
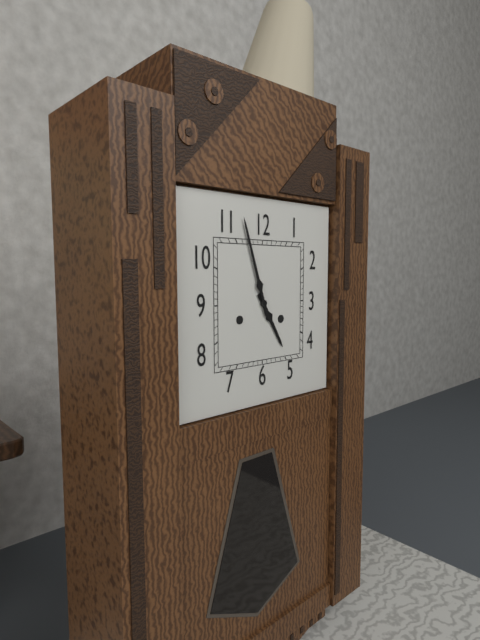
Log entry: 4:57
